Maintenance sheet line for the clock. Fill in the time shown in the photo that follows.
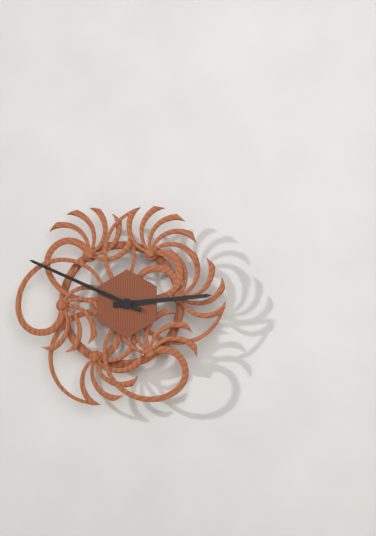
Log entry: 2:49
